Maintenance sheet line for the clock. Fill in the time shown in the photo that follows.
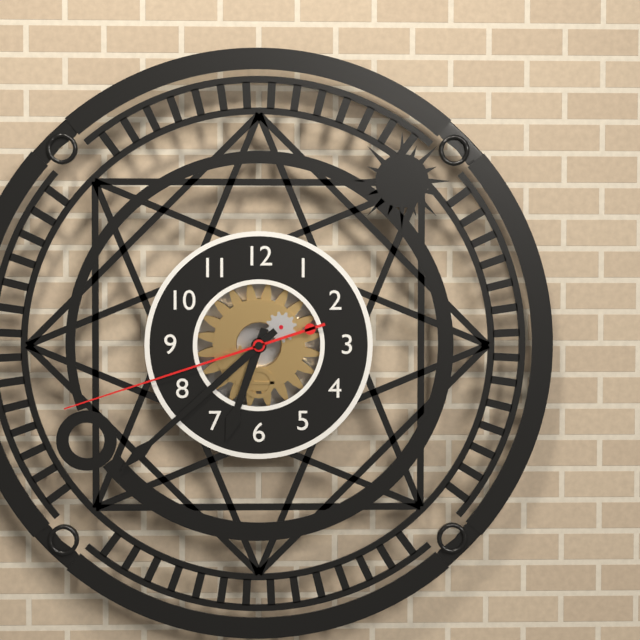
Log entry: 6:38:42
